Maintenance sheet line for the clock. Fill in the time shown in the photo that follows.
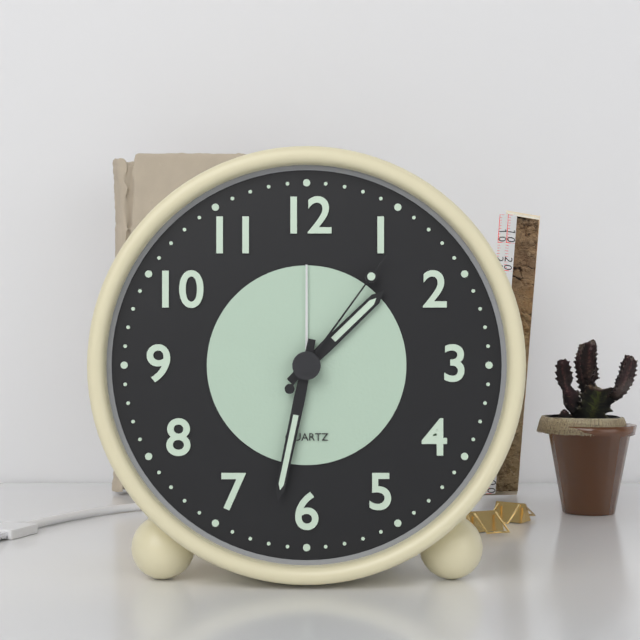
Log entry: 1:32:06
